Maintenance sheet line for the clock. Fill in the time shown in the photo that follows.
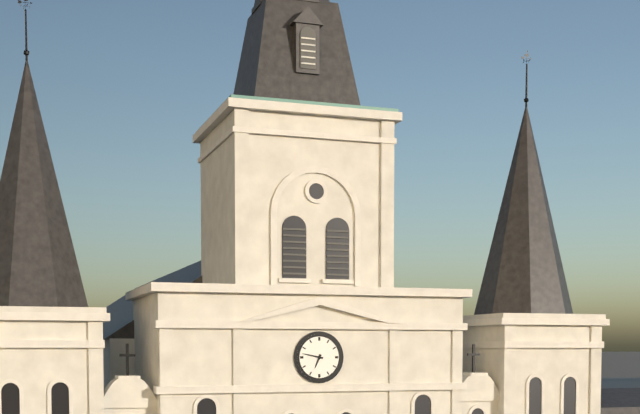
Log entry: 6:47
